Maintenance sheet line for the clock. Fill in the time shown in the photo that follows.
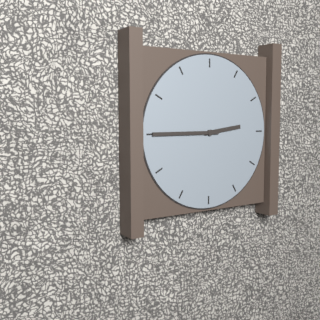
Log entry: 2:45
